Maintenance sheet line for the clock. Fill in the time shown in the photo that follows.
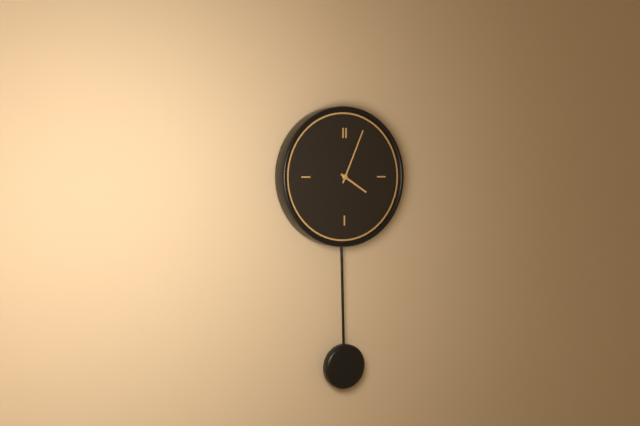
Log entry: 4:04
